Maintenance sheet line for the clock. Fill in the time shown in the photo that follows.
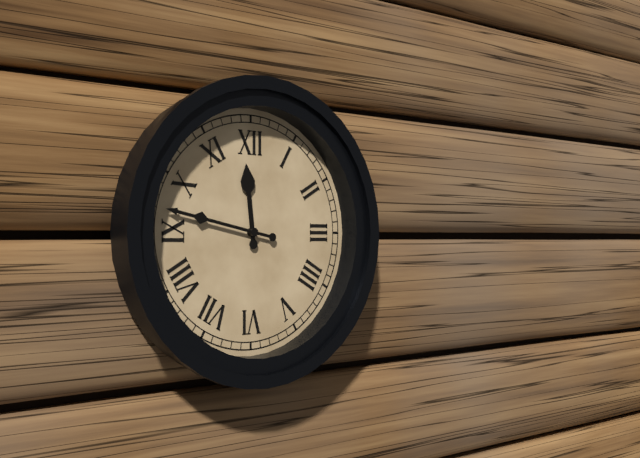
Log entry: 11:47
